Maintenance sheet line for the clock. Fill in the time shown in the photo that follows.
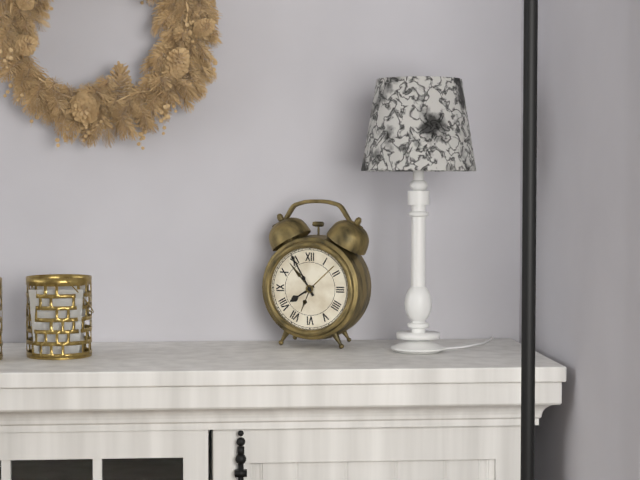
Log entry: 7:55
